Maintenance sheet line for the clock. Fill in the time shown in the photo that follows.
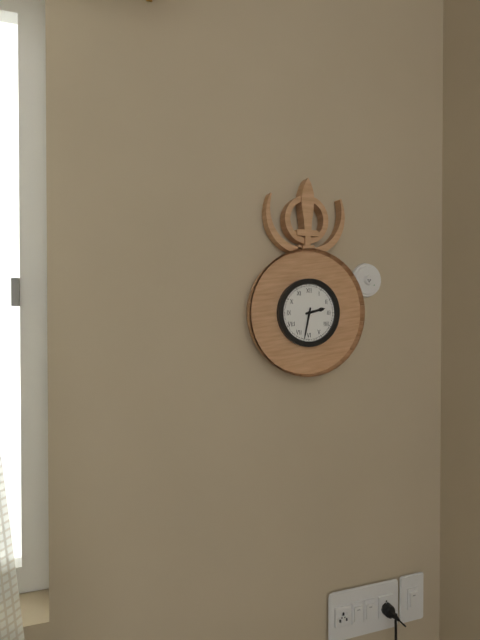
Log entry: 2:32
